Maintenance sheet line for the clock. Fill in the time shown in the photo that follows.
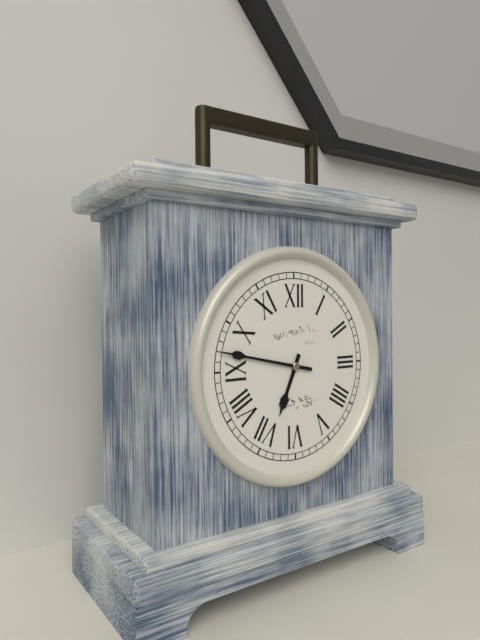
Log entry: 6:47
